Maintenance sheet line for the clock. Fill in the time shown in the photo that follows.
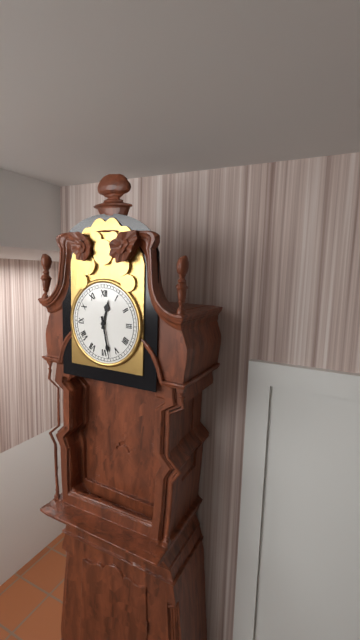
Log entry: 12:28
